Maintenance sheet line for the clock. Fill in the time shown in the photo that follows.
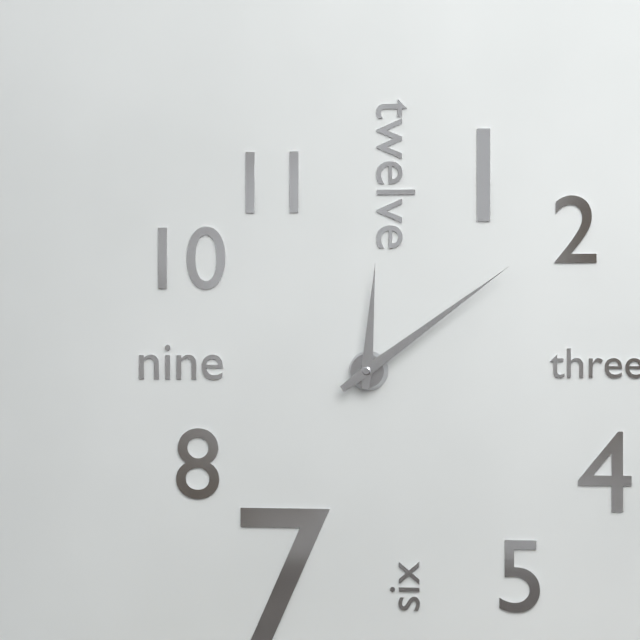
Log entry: 12:09
